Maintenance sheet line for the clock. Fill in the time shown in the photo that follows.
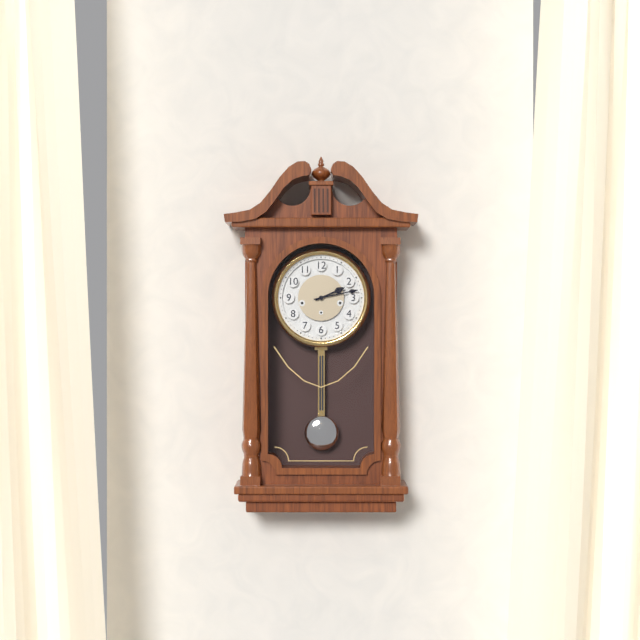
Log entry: 2:13
